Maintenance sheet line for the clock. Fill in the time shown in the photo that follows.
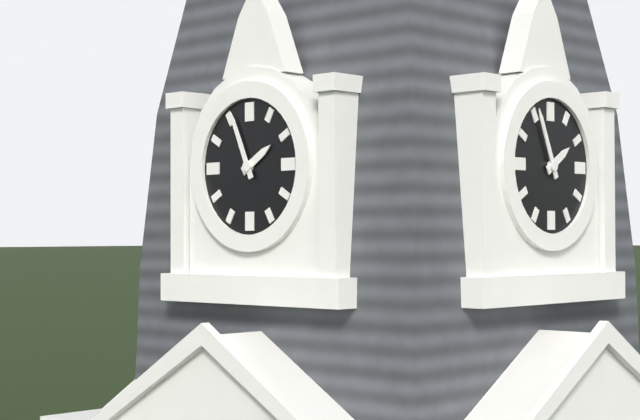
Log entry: 1:56
